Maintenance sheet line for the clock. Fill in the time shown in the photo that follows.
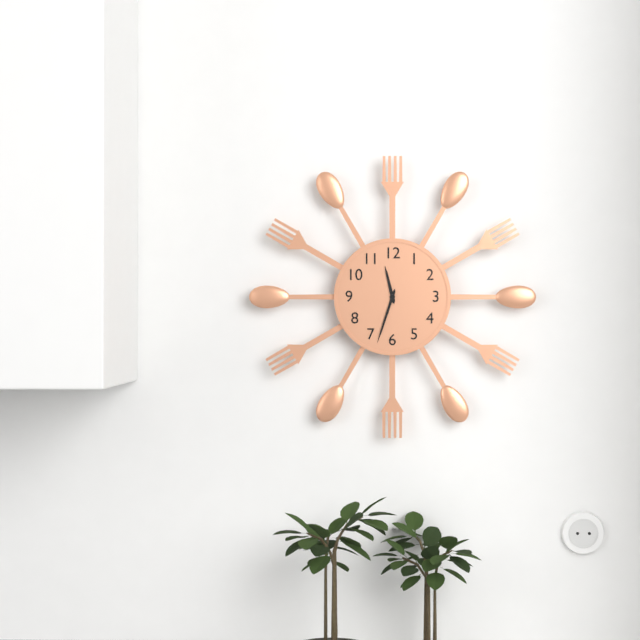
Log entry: 11:33
